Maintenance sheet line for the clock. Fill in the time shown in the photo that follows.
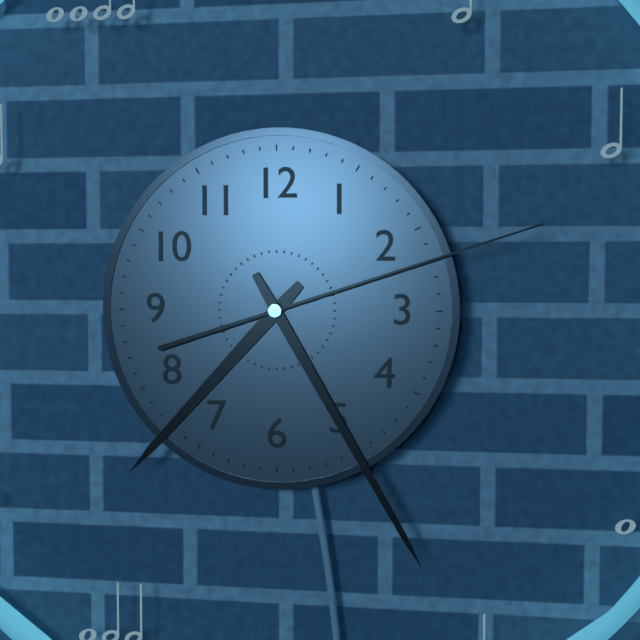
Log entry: 7:25:12
